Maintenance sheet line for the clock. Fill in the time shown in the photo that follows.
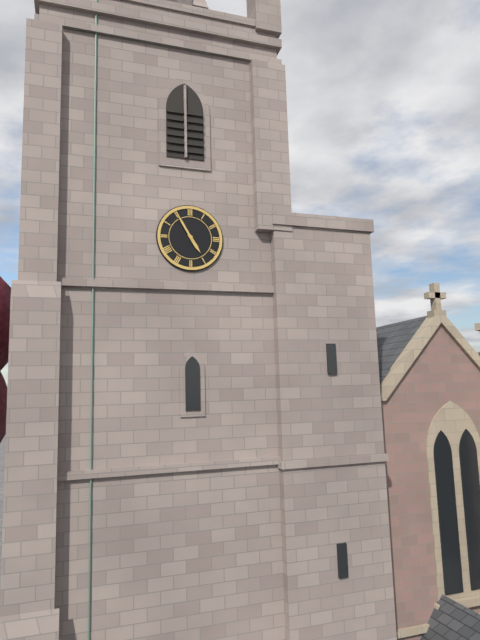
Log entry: 4:55
